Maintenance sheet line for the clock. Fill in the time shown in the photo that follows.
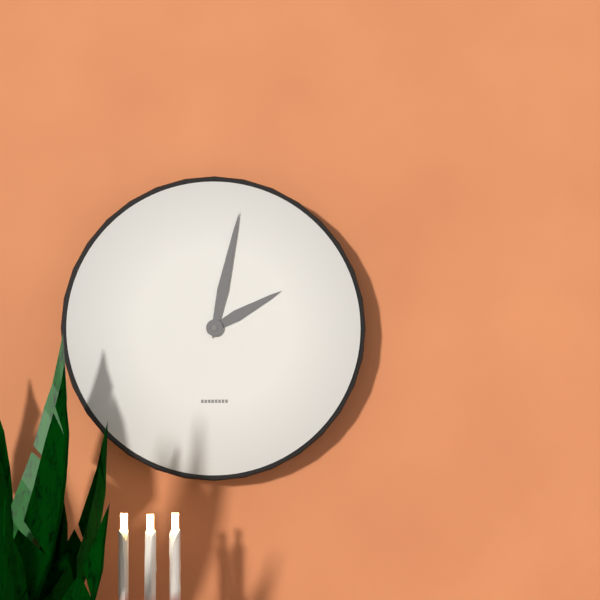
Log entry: 2:02
